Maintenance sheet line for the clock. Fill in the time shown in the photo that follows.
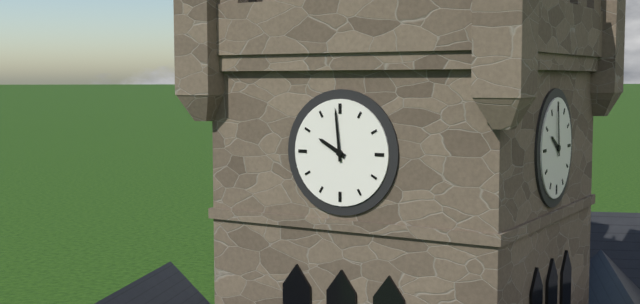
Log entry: 9:59
